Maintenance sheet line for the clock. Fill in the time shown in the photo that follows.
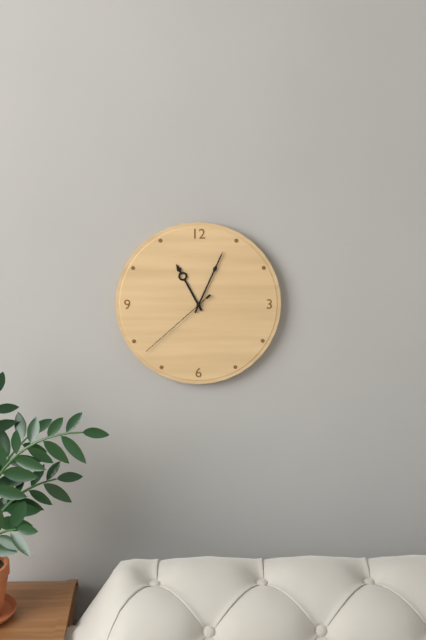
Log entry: 11:04:38
